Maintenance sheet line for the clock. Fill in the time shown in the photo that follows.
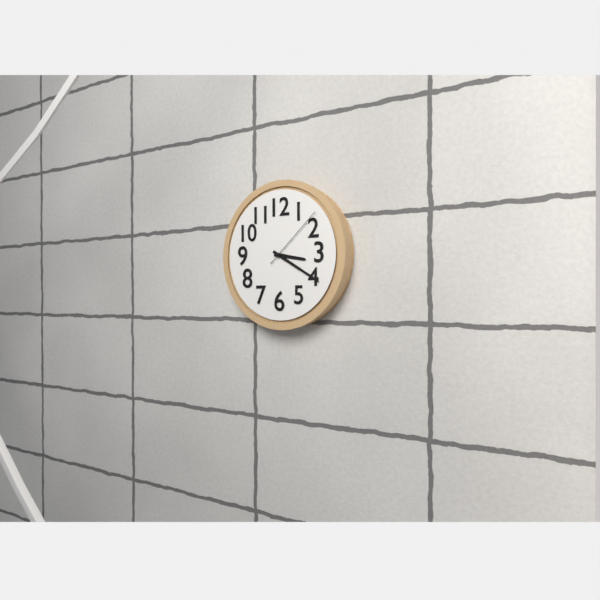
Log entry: 3:20:08
